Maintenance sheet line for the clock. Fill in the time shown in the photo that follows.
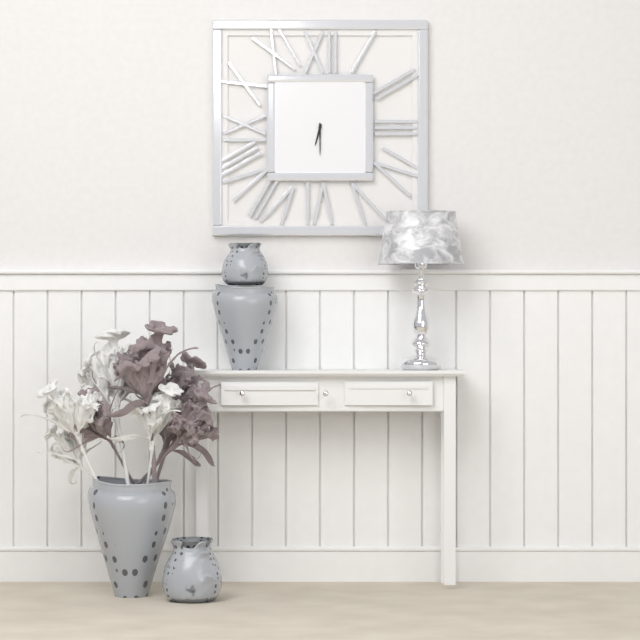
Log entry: 6:30
